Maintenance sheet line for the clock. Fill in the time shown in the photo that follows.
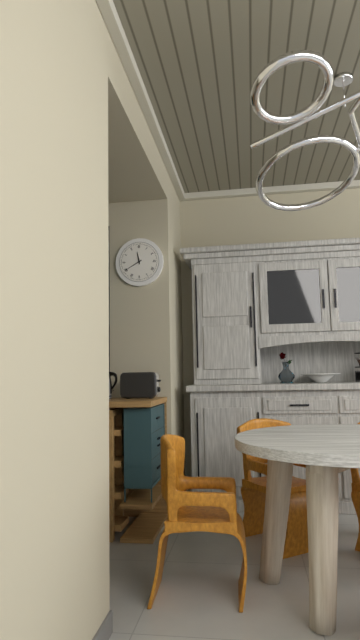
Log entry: 11:40
